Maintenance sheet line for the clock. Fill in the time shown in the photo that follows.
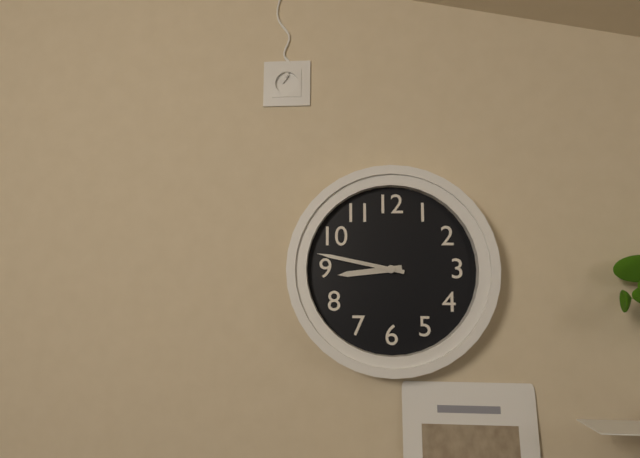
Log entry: 8:47
